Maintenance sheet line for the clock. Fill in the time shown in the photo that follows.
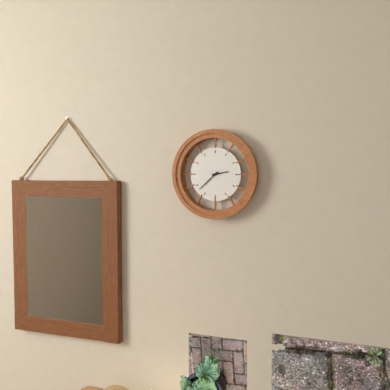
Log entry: 2:38
